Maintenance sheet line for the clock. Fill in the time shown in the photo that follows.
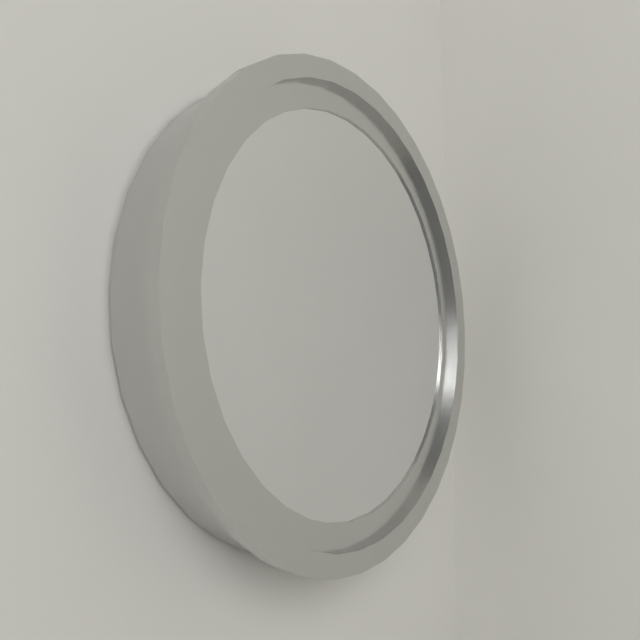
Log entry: 11:48
